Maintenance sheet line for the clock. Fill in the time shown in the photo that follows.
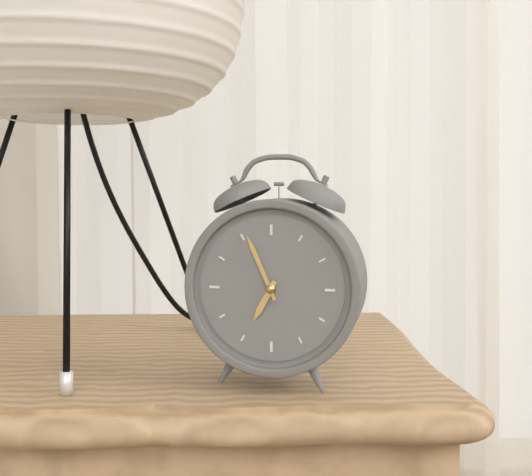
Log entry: 6:56
